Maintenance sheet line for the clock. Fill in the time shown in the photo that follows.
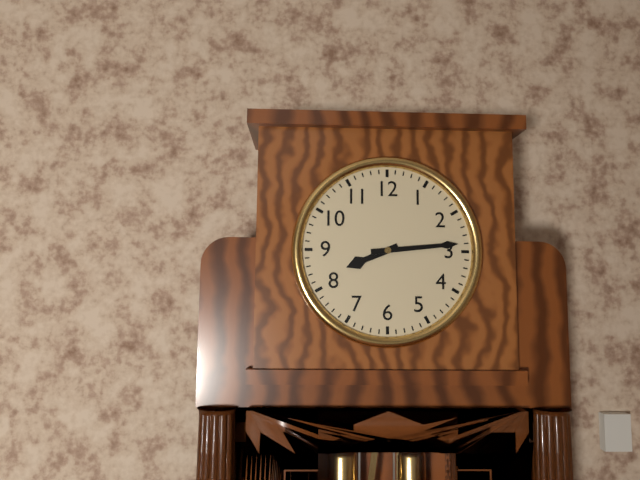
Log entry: 8:14
